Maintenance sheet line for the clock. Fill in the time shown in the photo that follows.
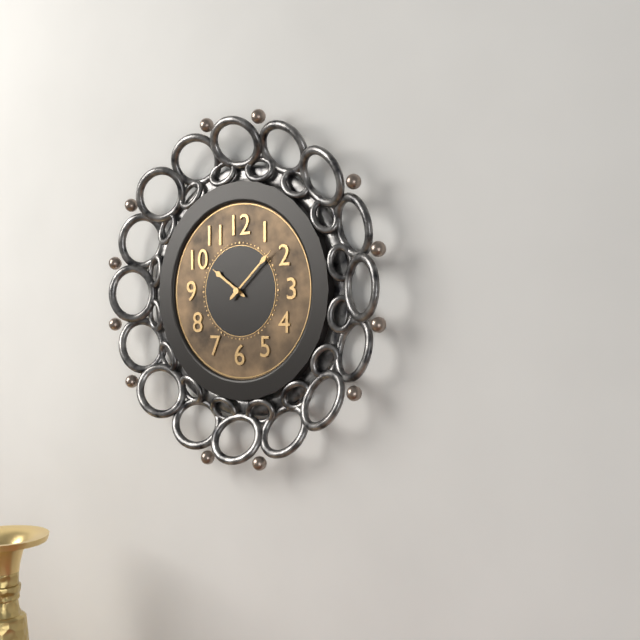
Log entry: 10:08
